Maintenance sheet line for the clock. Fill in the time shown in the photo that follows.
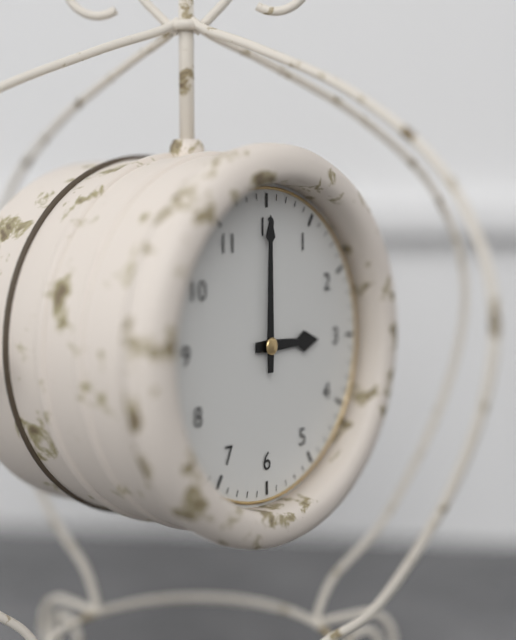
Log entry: 3:00
